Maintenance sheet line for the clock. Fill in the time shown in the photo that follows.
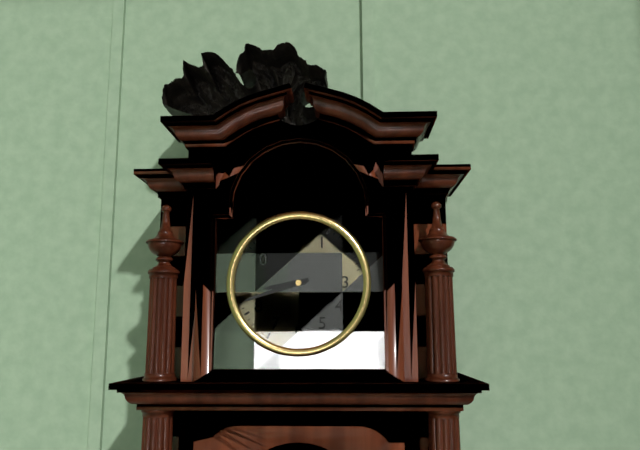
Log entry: 8:42
